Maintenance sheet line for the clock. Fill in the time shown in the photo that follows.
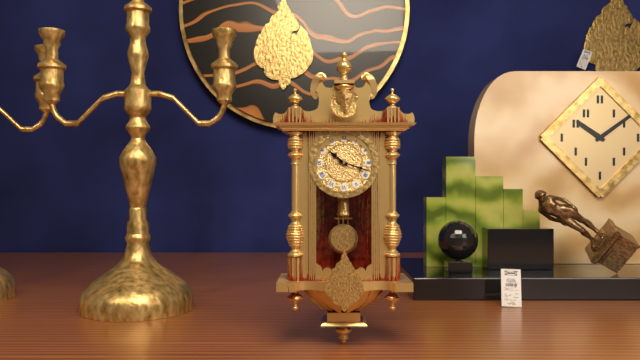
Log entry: 10:18
